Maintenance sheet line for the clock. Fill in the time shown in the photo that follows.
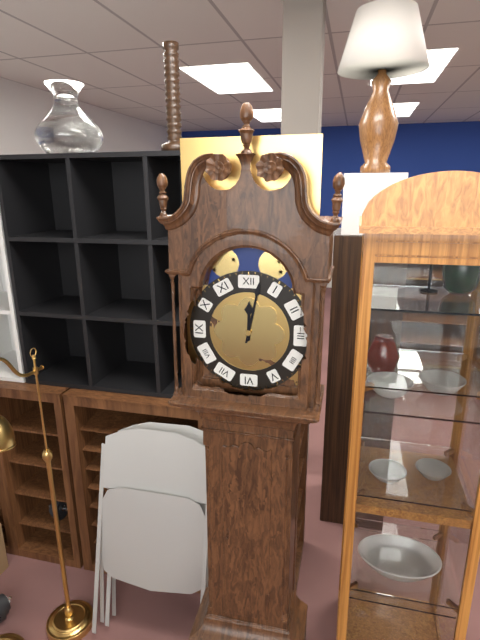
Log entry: 12:02
